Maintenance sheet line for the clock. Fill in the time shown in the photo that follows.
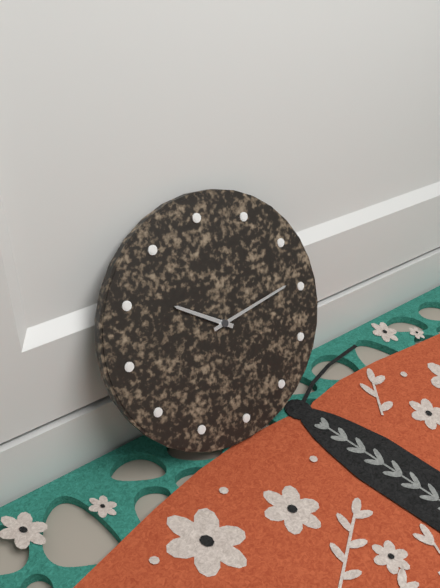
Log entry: 10:14
